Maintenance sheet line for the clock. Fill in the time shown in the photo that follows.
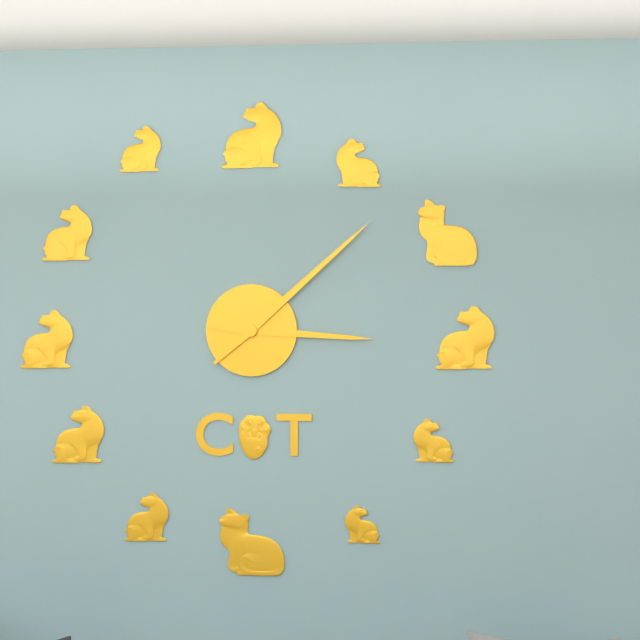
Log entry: 3:08
